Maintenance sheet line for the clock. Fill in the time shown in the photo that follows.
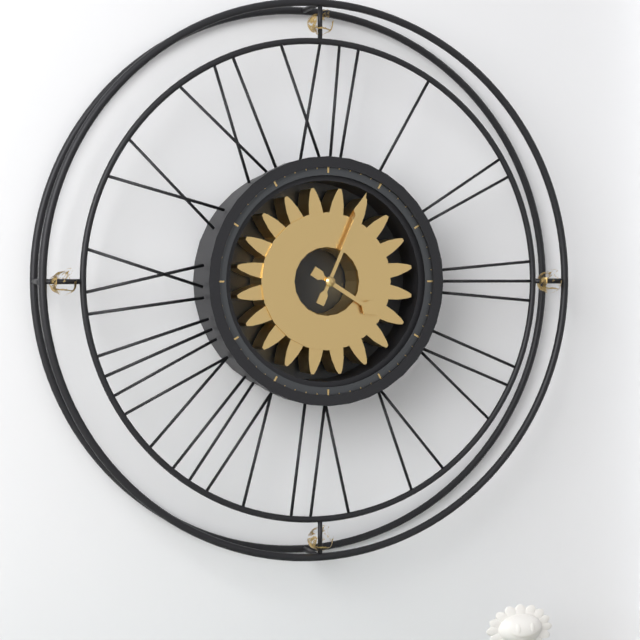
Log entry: 4:04
